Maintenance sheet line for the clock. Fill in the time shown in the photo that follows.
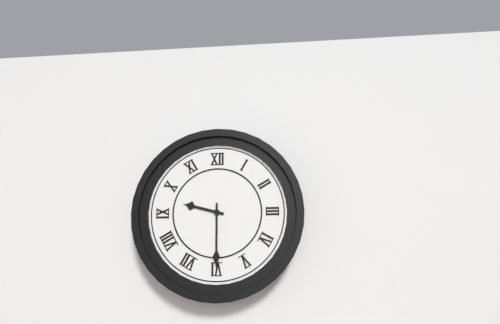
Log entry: 9:30
